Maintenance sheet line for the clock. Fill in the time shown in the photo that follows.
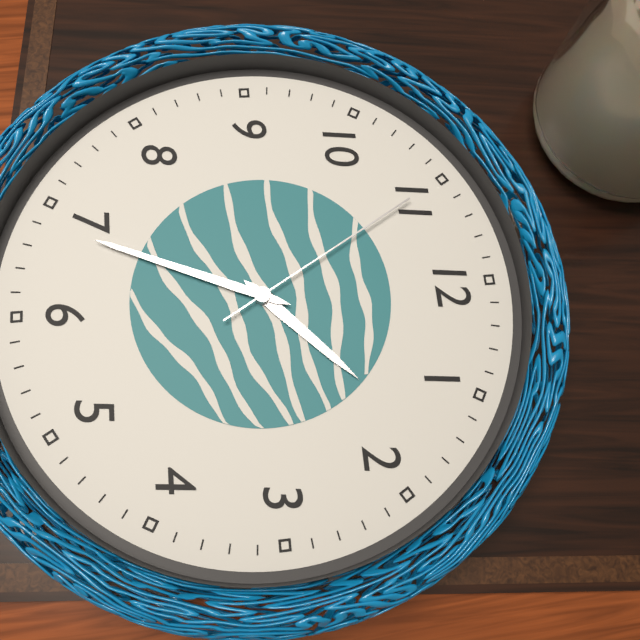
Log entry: 1:34:55
